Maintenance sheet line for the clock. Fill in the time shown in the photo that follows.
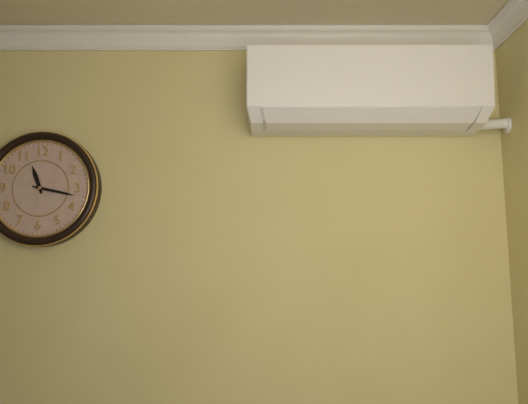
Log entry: 11:17
